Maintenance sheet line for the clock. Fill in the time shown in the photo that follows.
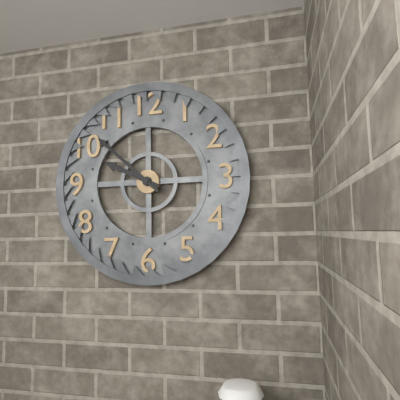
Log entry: 9:52
